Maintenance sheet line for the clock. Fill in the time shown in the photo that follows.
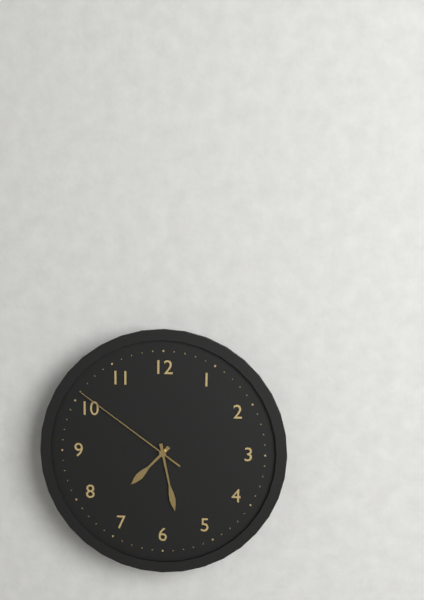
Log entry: 7:28:51
